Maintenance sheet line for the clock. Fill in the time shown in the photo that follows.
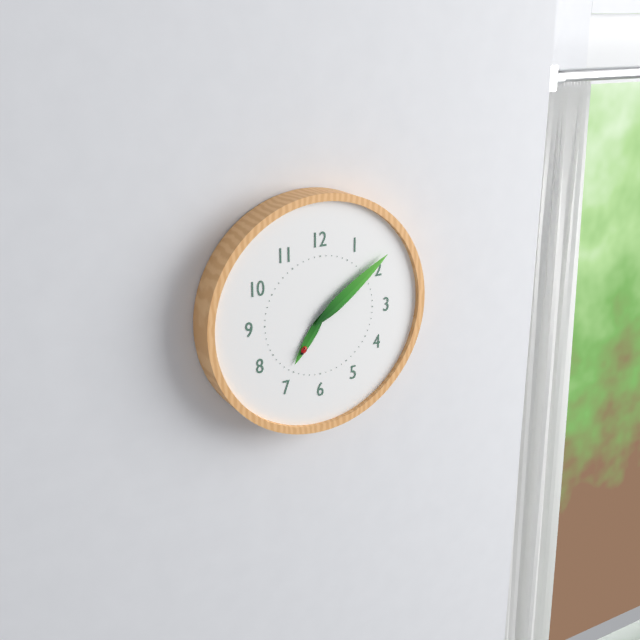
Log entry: 7:09
